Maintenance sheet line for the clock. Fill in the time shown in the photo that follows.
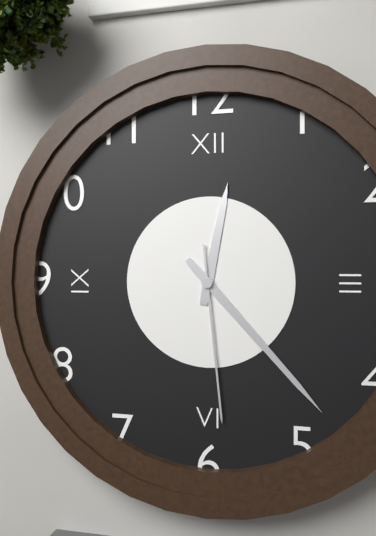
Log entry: 12:23:29
